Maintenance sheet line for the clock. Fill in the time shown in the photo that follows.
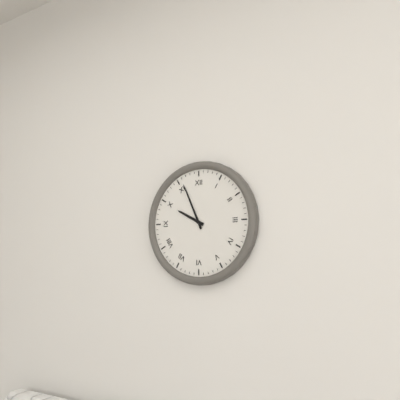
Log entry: 9:56
